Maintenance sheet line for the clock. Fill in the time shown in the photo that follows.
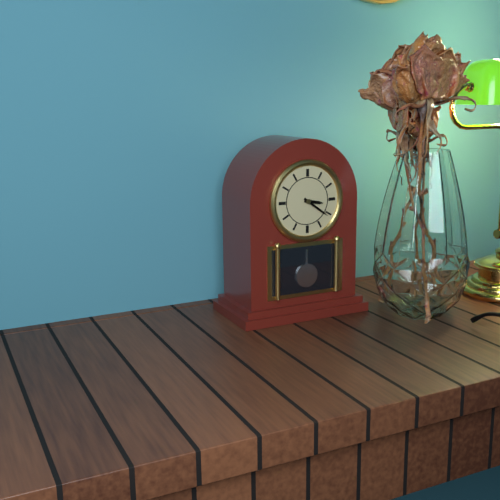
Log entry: 3:21
